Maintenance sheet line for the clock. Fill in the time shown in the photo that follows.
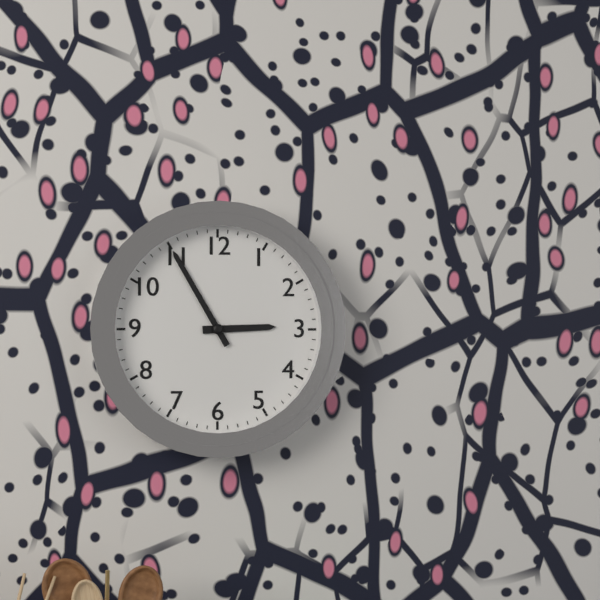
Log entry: 2:55
